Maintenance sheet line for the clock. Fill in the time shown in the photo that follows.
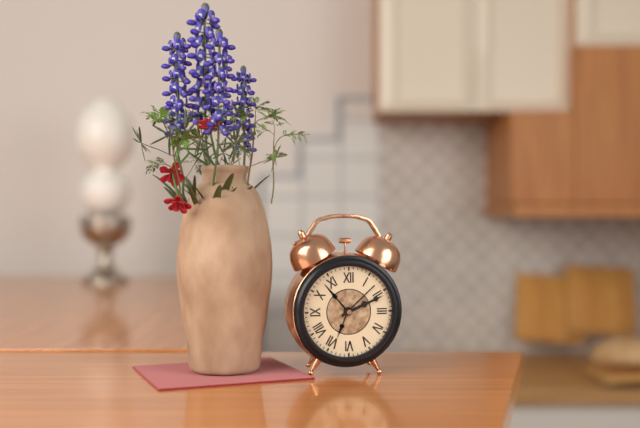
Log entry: 2:11
